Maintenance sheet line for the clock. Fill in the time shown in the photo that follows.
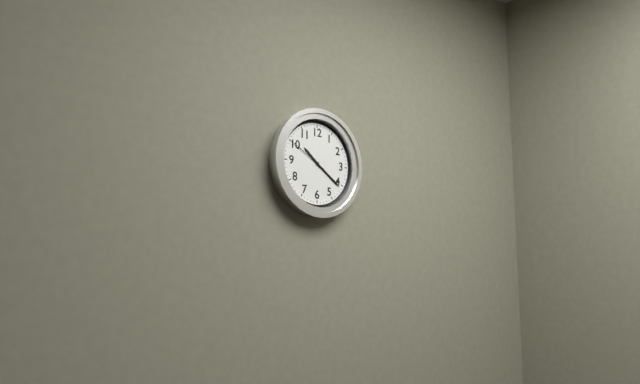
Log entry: 10:21
